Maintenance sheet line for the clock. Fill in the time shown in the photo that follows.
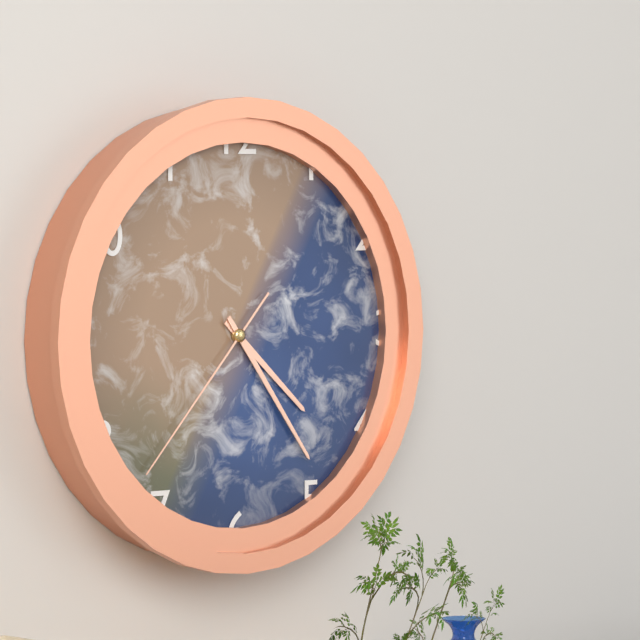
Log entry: 4:24:37
